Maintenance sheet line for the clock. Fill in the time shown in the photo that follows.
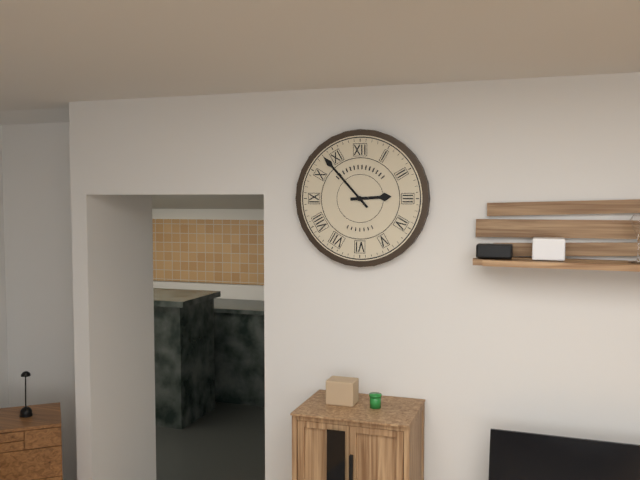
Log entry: 2:53
